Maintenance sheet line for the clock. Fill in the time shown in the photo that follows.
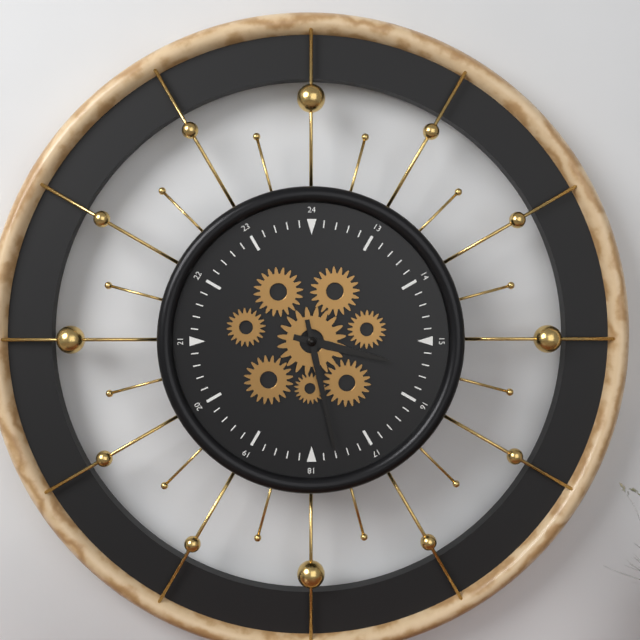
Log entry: 3:28
